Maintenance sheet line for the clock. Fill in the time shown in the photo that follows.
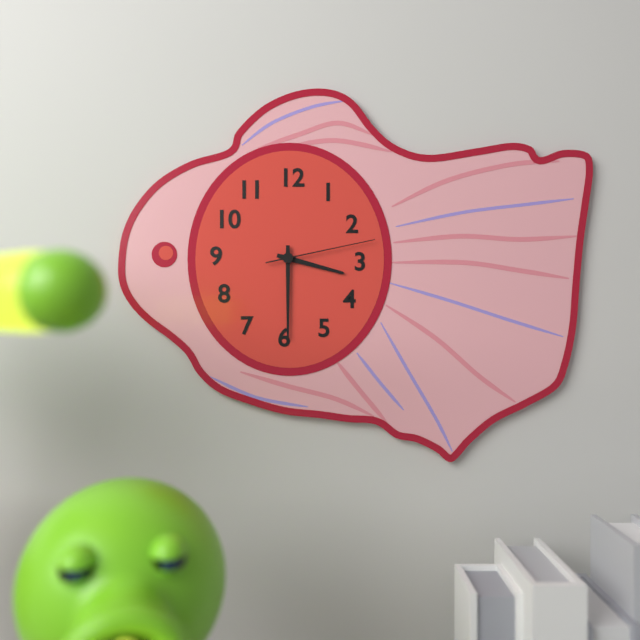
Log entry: 3:30:13
